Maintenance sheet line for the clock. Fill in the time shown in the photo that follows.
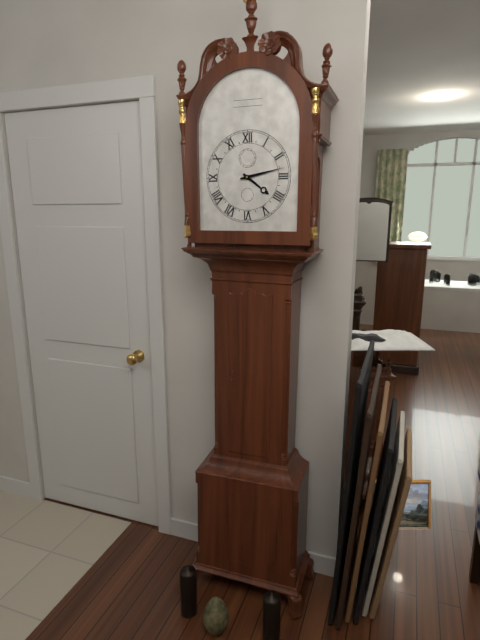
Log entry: 4:13
